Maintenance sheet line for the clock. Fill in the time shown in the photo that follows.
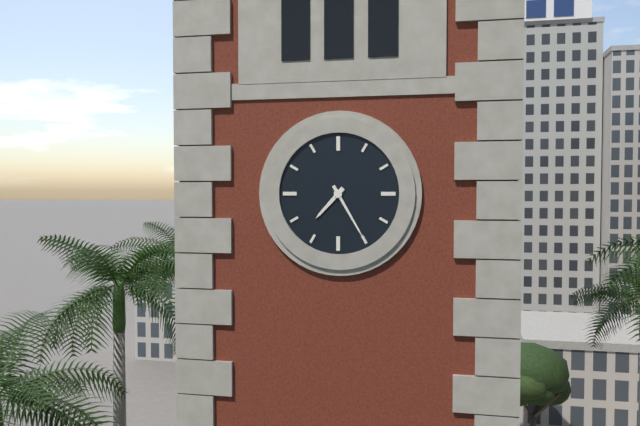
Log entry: 7:25
